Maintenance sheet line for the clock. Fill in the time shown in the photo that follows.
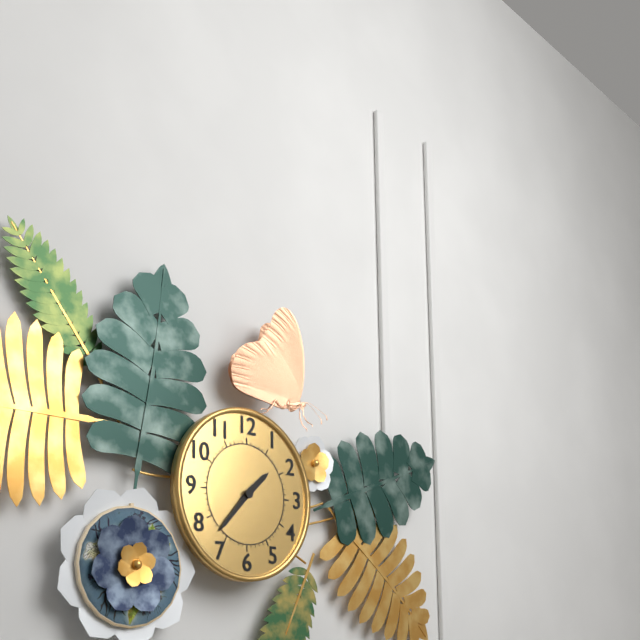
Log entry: 1:37
